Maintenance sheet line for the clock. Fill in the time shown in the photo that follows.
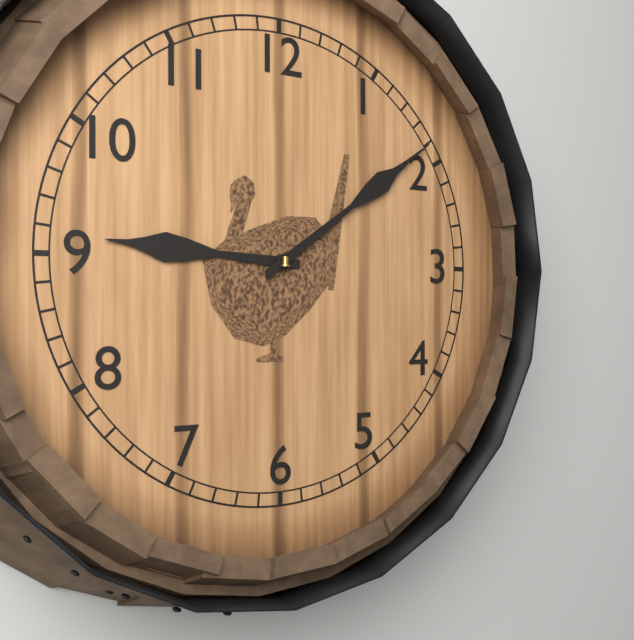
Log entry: 9:09
